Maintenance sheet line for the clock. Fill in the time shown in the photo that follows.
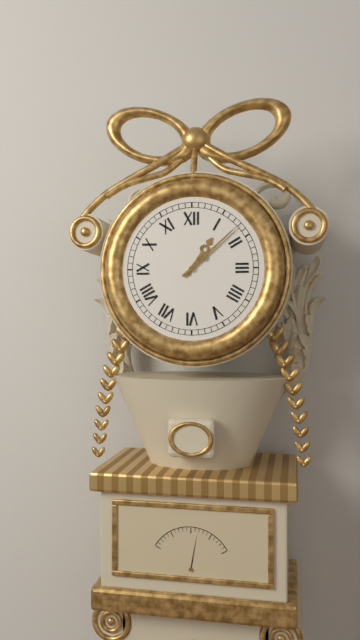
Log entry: 1:08
